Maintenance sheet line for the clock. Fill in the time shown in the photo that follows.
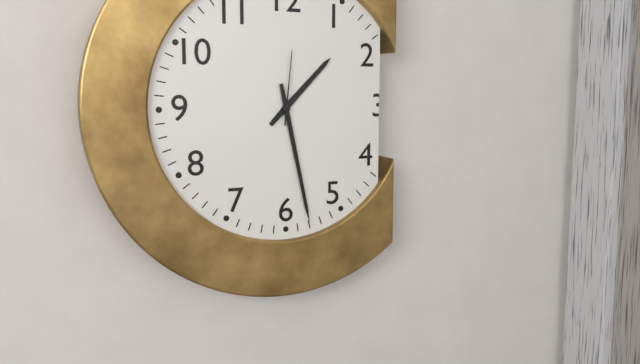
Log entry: 1:28:01
